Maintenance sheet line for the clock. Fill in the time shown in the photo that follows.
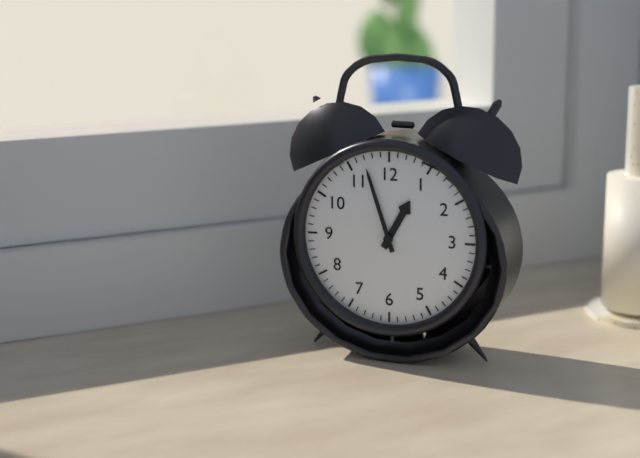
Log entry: 12:57
